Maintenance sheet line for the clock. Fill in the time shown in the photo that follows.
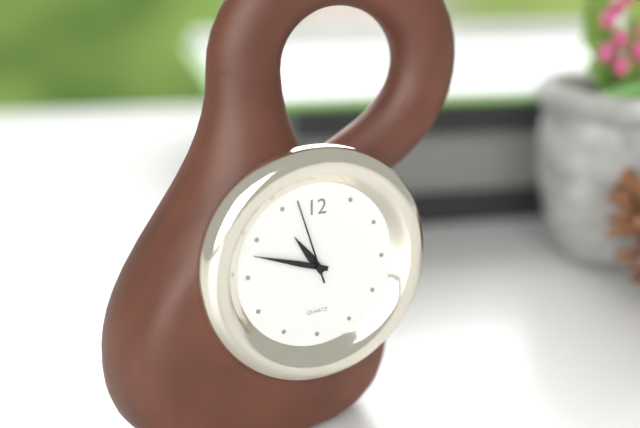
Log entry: 10:48:57
